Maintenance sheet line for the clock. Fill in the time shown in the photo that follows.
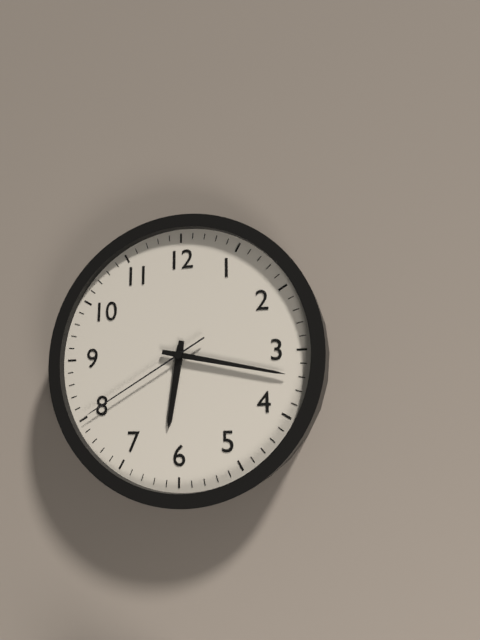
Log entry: 6:17:40
